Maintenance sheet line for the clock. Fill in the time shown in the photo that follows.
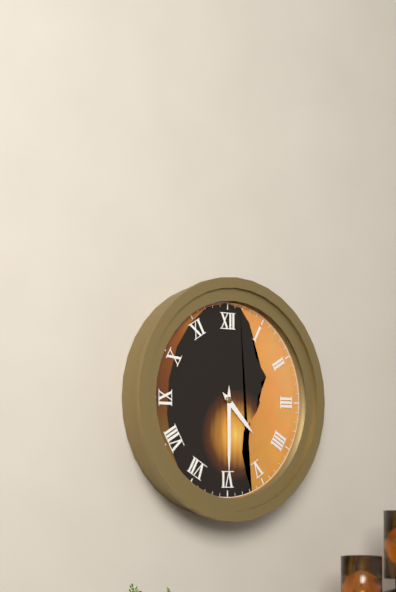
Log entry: 4:30
